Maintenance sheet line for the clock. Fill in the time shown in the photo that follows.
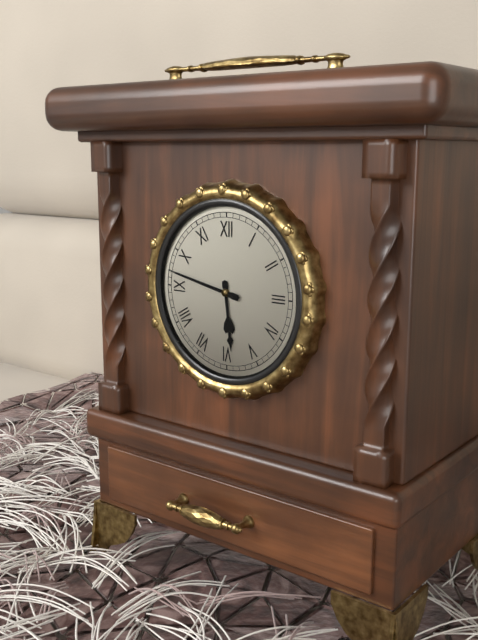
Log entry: 5:47
